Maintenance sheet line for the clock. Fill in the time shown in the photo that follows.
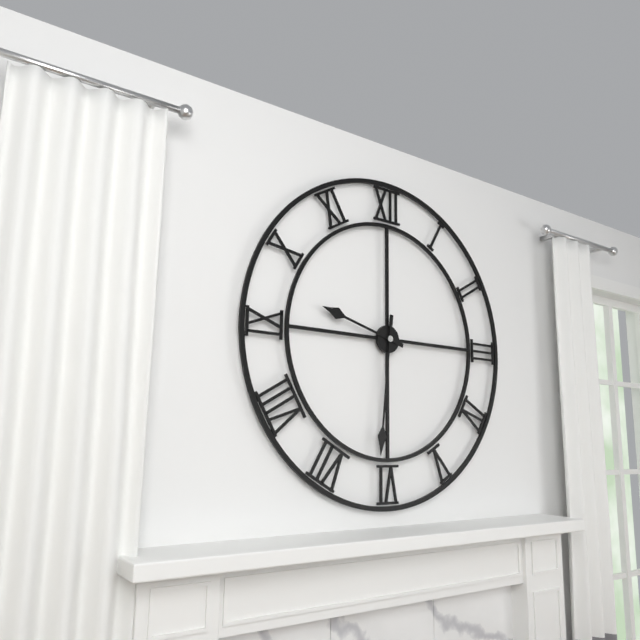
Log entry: 9:31
